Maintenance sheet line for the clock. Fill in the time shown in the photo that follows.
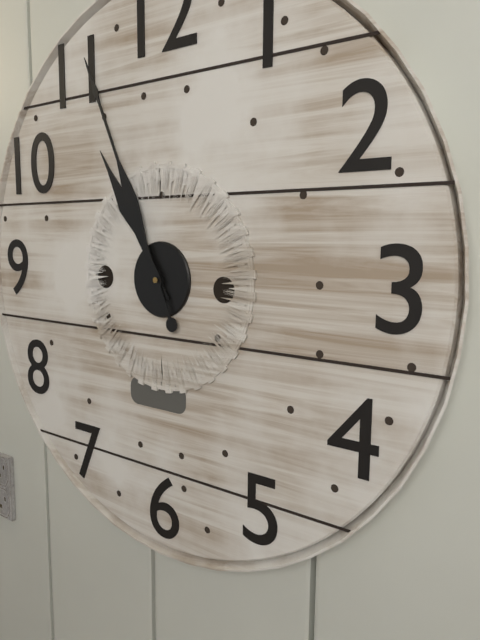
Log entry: 10:56
